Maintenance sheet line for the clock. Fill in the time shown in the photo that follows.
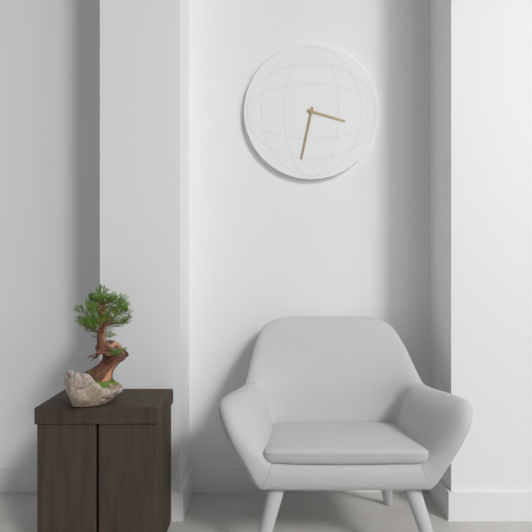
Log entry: 3:32
